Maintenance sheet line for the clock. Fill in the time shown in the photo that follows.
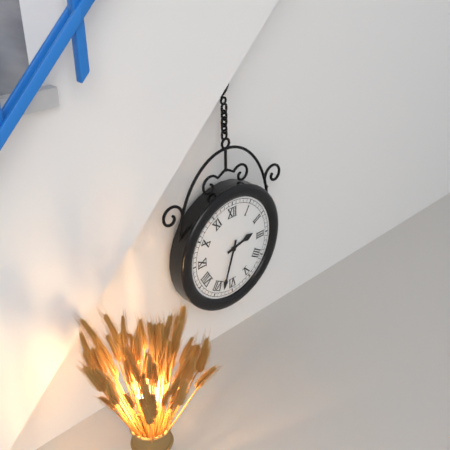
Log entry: 2:33
